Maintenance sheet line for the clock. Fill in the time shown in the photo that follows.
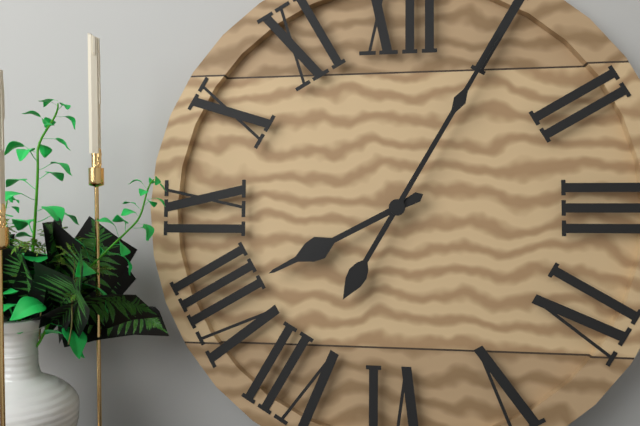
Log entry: 8:05
